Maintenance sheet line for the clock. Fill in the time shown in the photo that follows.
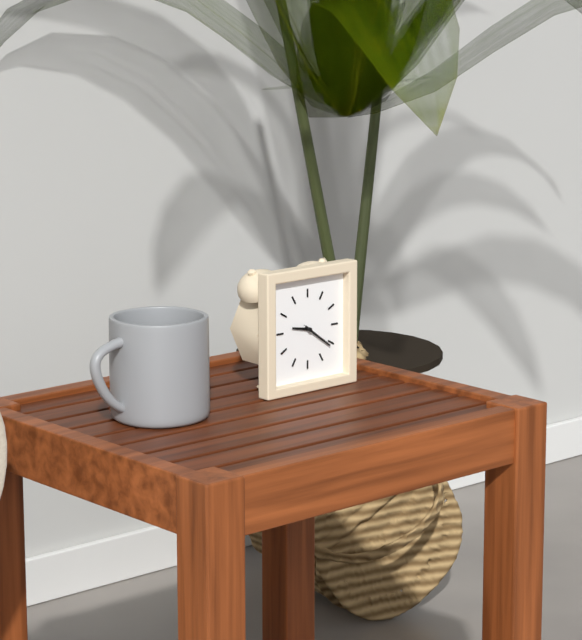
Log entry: 9:21
